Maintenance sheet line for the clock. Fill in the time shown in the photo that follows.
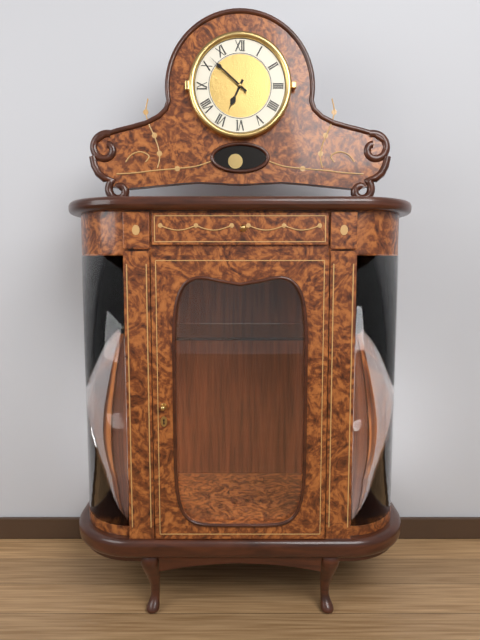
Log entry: 6:52
